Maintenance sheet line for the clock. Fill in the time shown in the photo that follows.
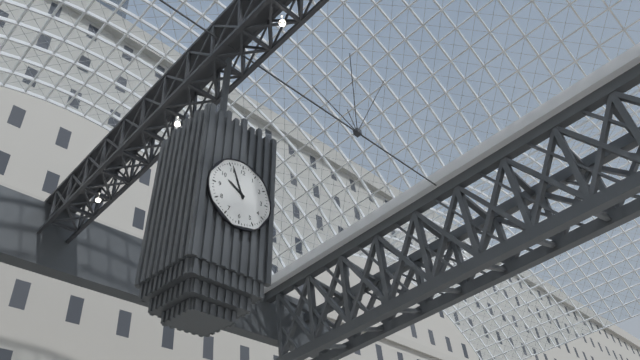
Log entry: 9:56
